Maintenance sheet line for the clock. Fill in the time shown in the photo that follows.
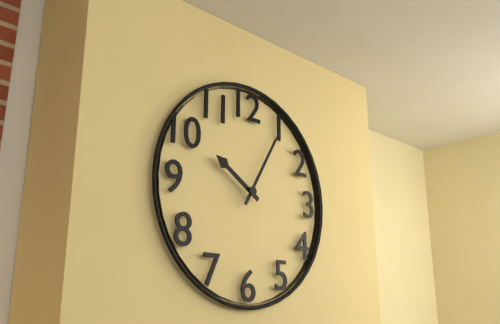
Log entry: 10:05
